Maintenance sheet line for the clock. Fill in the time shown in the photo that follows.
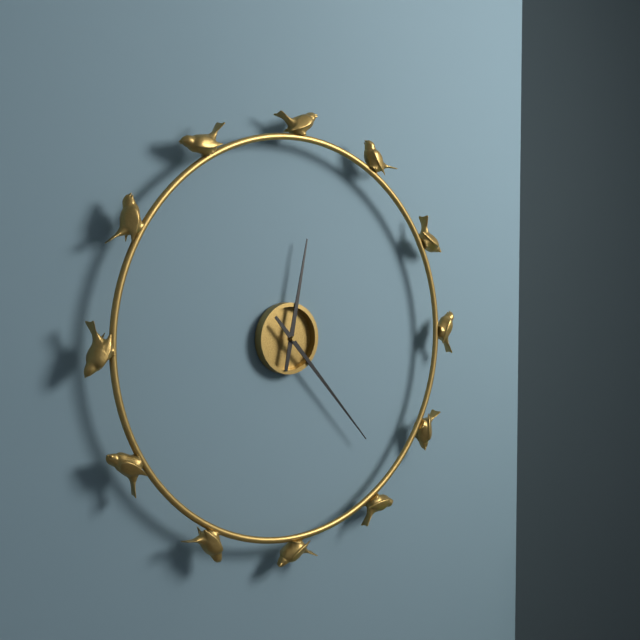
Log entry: 12:23
